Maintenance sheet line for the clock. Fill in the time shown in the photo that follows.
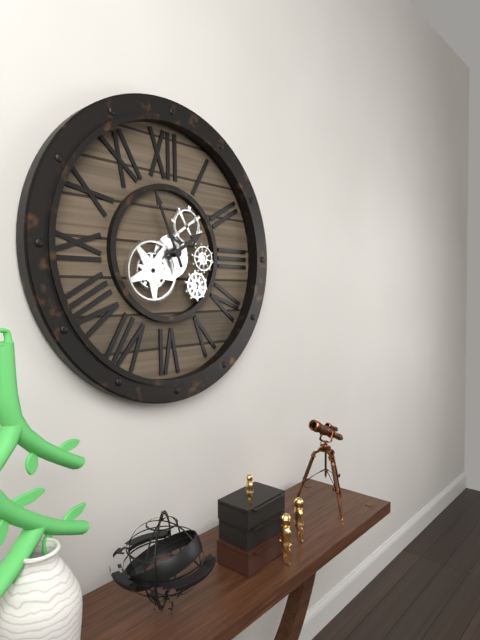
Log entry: 1:56
